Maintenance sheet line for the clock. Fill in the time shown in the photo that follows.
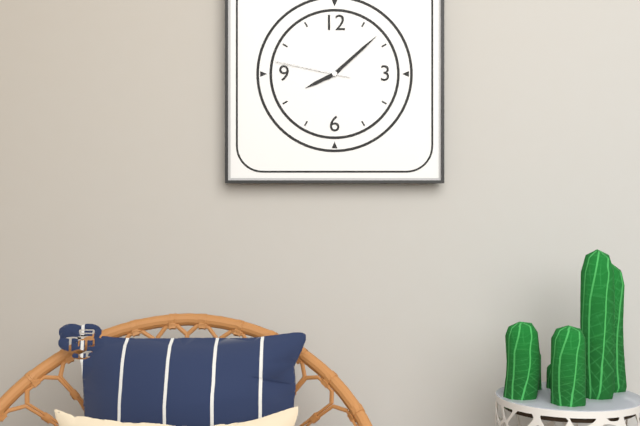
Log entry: 8:08:47
